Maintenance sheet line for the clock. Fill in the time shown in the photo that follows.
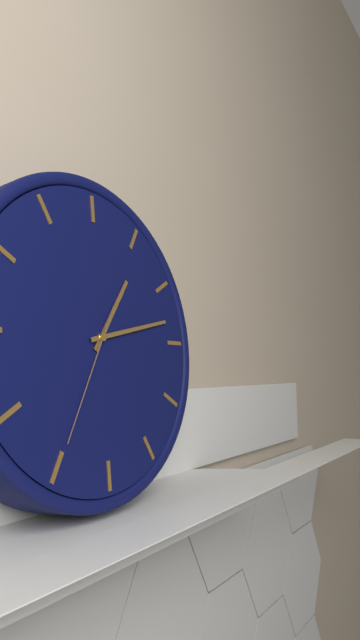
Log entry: 1:13:35
